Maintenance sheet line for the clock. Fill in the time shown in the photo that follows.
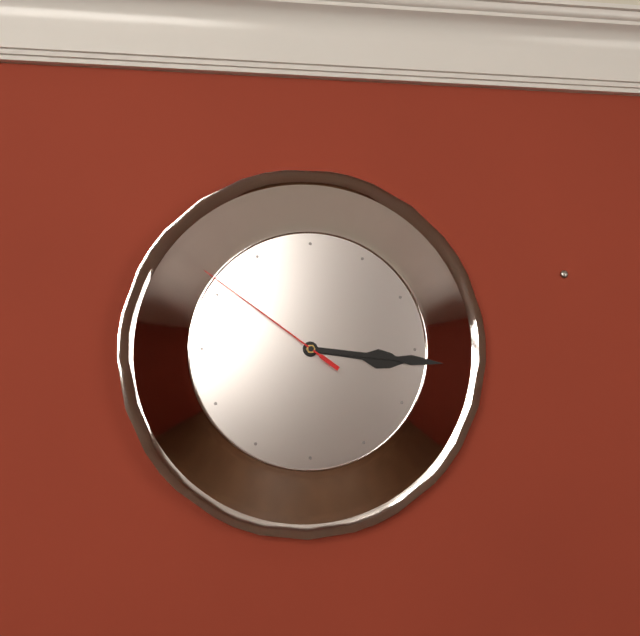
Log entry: 3:16:51
